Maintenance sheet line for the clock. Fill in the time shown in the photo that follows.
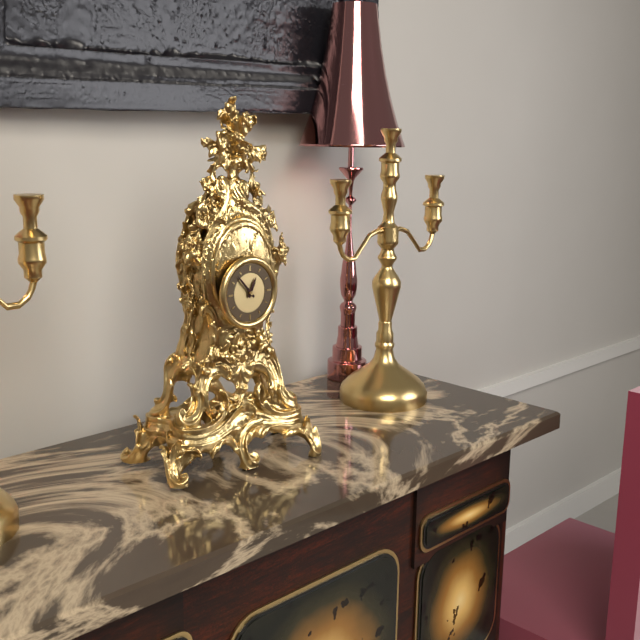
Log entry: 12:53
